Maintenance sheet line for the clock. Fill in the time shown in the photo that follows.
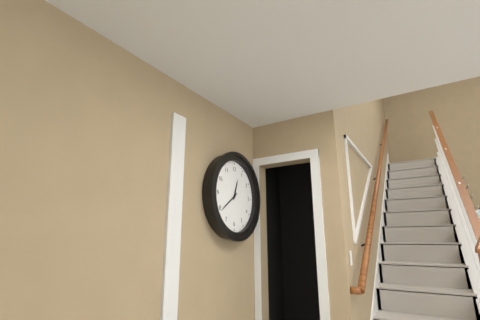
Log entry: 12:39
